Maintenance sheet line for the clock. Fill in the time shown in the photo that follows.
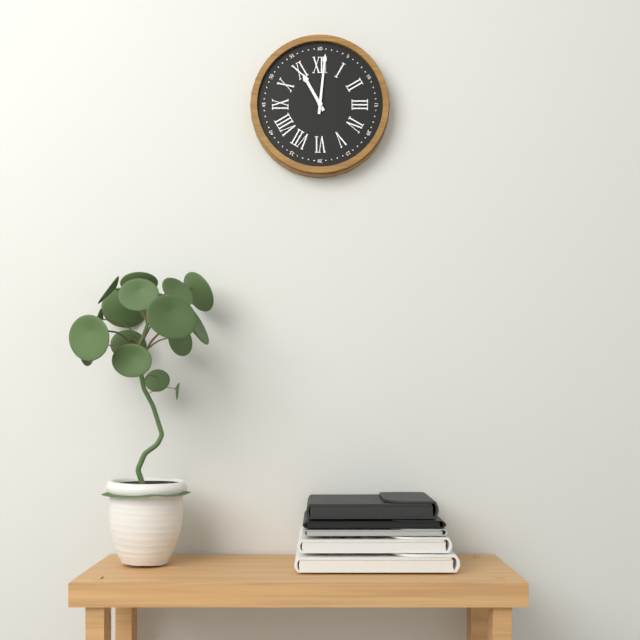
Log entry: 11:01
